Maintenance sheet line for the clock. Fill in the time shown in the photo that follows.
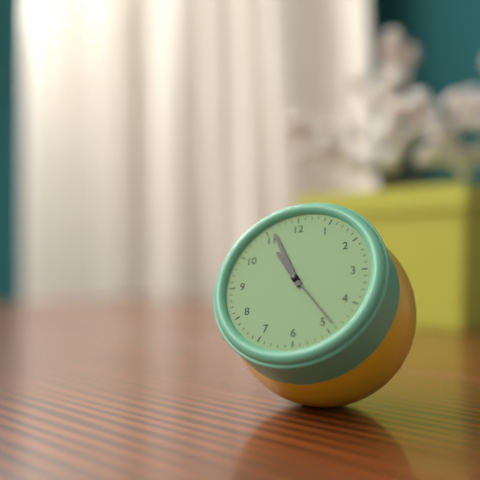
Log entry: 10:56:24
